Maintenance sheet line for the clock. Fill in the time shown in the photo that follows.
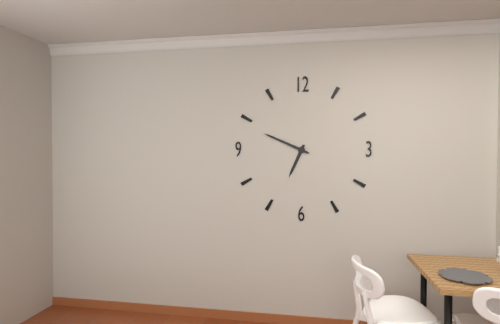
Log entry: 6:49
